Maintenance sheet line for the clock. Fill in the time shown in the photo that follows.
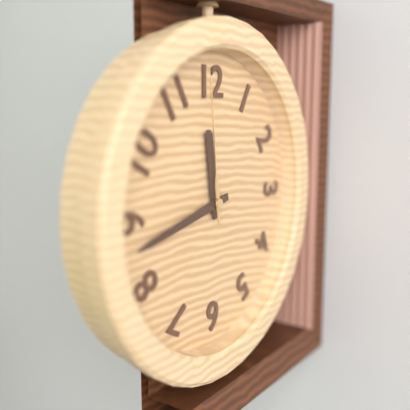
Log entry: 11:43:59
